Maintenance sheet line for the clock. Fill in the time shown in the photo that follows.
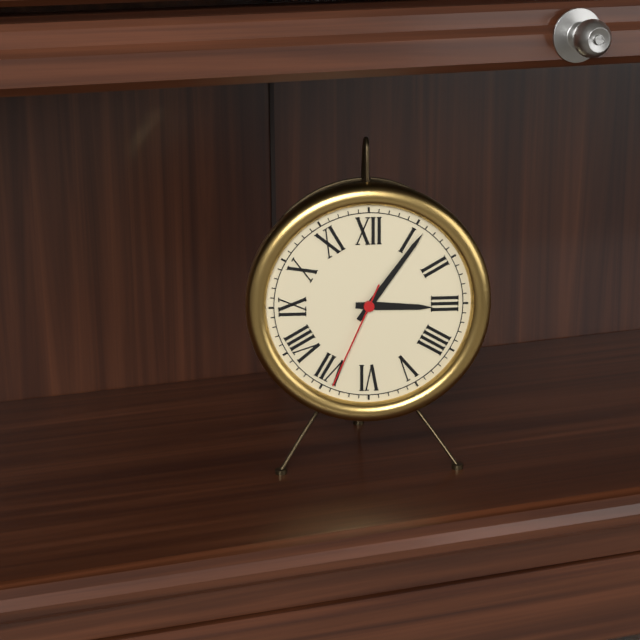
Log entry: 3:06:34
